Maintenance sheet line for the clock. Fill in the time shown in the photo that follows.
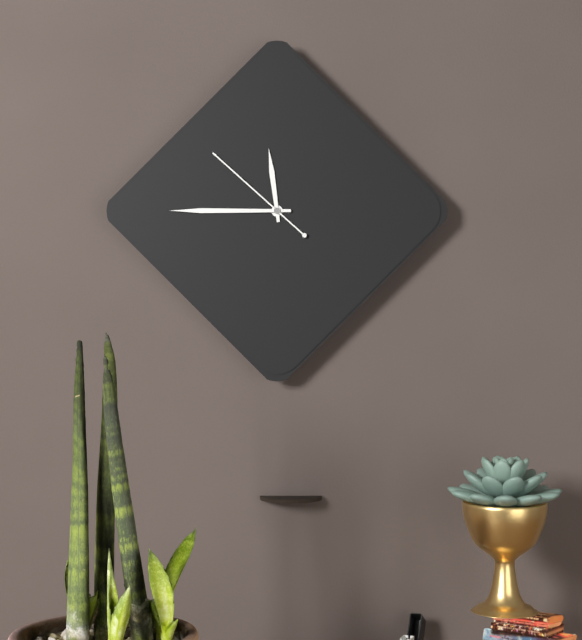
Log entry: 11:45:52
